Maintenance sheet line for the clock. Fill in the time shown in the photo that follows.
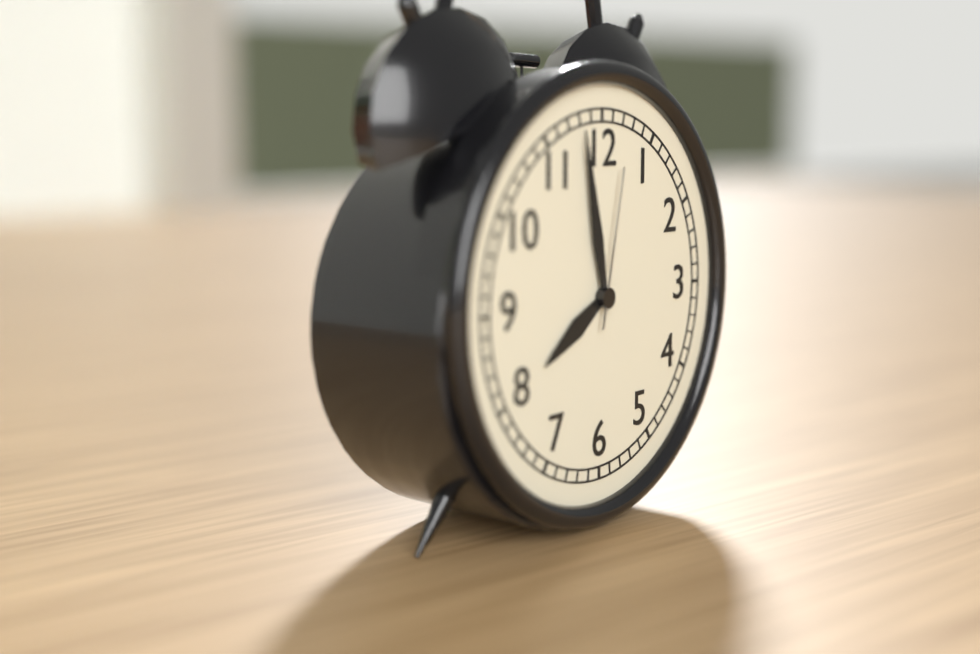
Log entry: 7:58:02
